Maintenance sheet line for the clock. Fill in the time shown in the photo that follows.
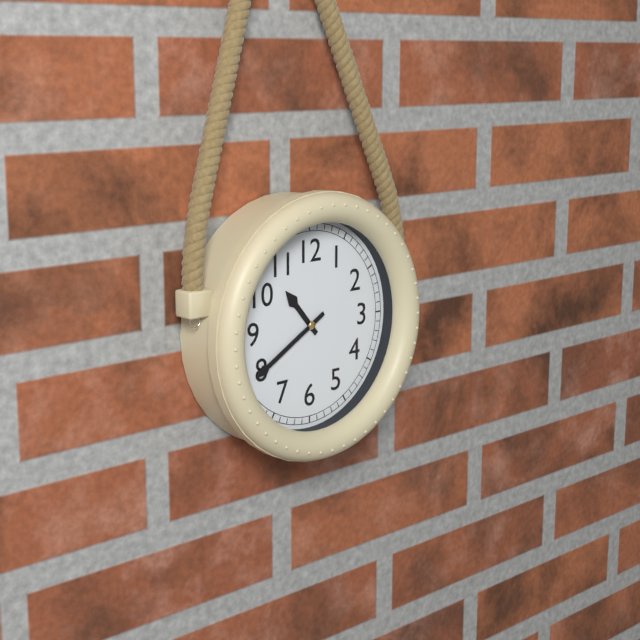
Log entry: 10:40
